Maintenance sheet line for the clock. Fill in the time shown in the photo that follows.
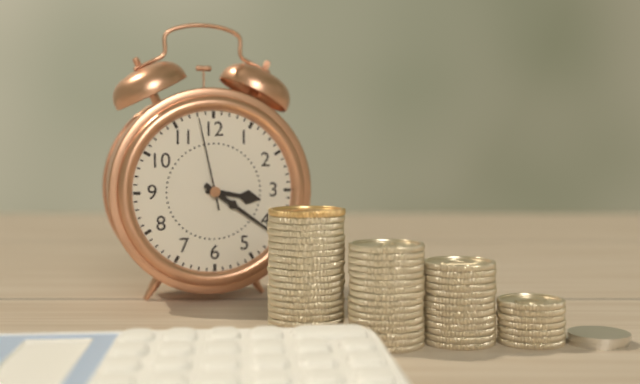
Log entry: 3:21:58
